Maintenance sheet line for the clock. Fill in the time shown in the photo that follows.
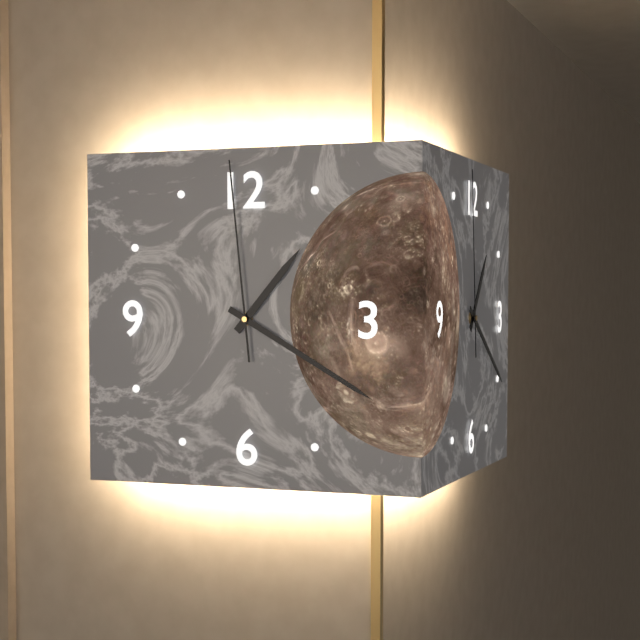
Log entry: 1:20:59
